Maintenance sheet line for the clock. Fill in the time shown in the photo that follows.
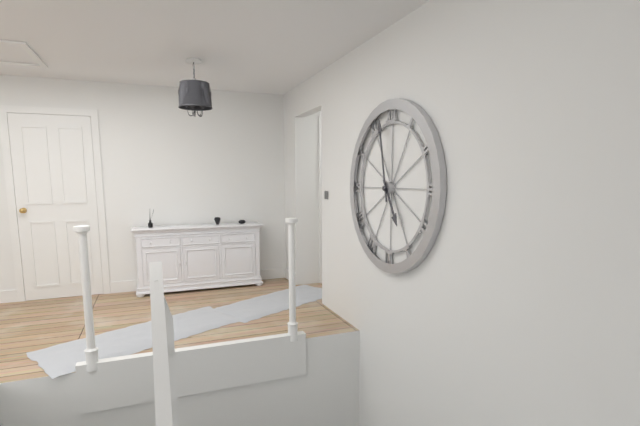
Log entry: 4:58
